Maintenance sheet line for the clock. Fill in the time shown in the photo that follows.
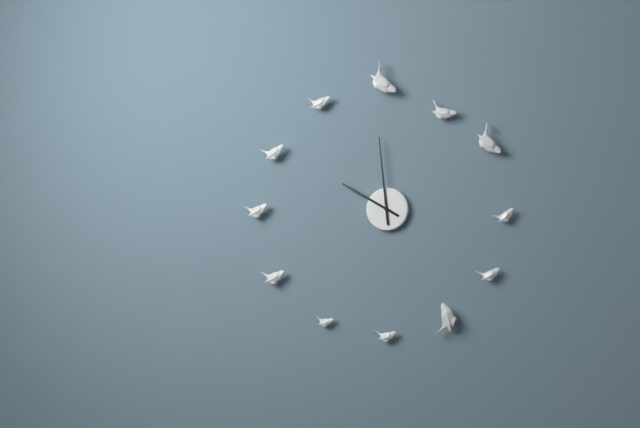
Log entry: 9:59
